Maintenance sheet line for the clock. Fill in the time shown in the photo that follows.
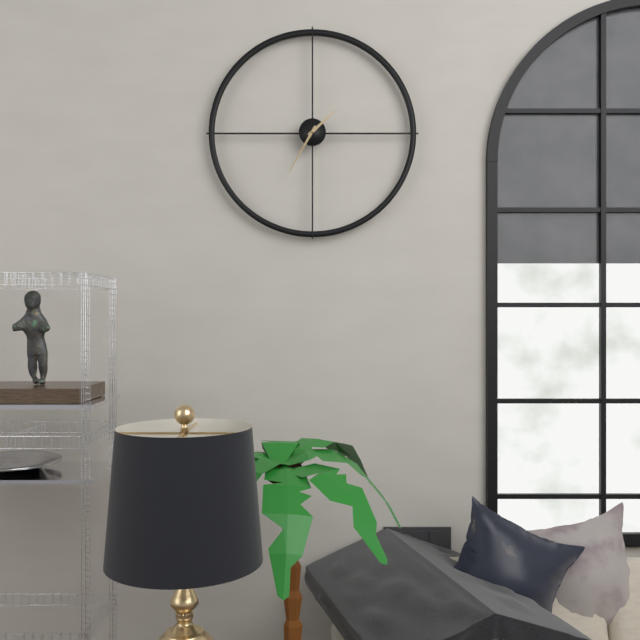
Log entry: 1:35
